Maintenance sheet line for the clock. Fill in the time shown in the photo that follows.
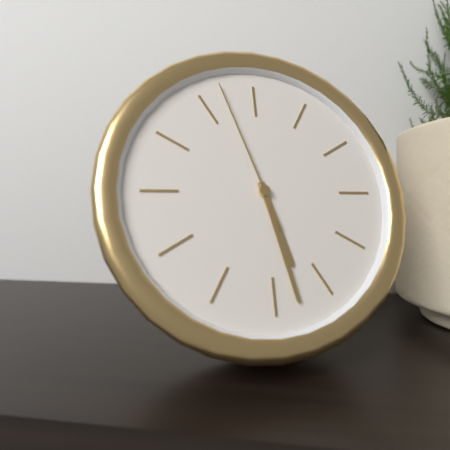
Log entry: 5:28:57
